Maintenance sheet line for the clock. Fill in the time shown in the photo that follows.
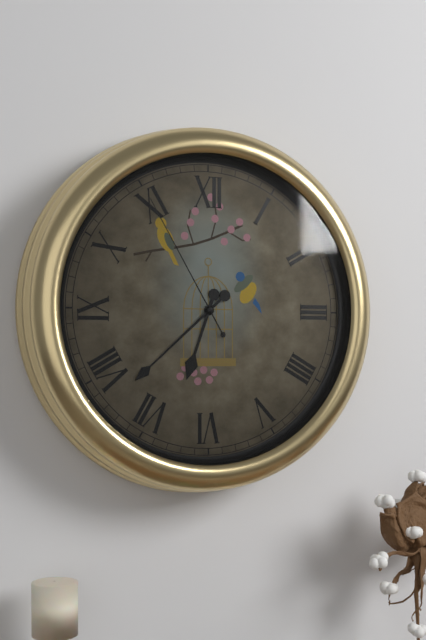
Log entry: 6:38:55
